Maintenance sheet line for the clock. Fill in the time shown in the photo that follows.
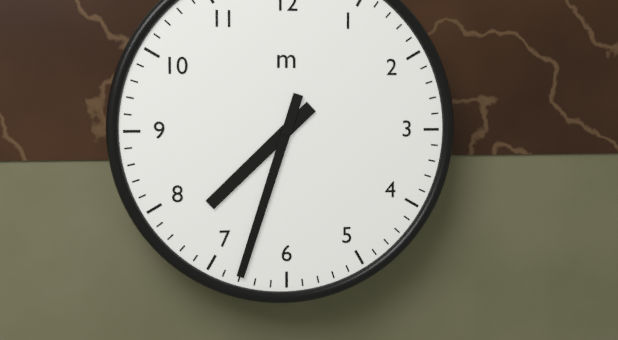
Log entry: 7:33
